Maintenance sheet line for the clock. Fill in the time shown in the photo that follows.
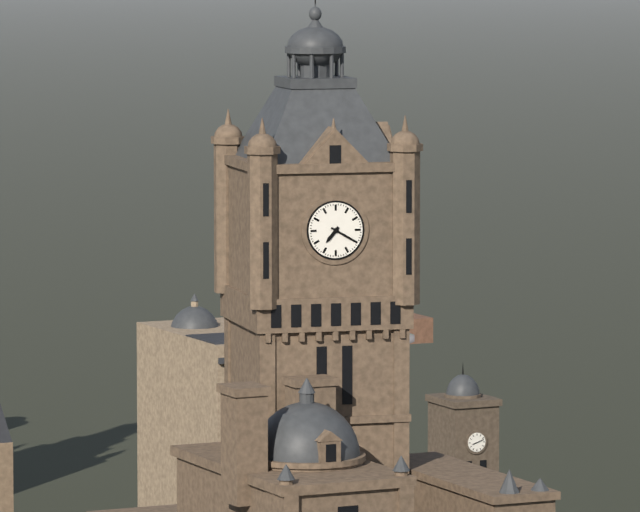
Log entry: 7:20
